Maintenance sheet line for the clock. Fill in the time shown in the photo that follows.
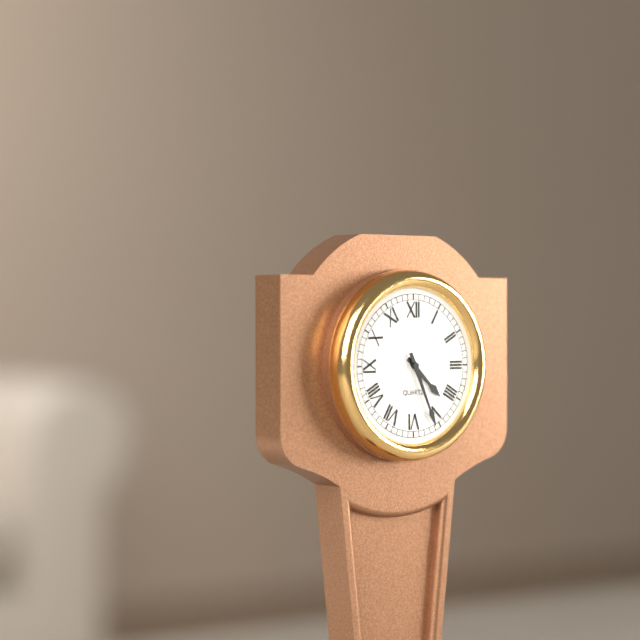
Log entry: 4:26
